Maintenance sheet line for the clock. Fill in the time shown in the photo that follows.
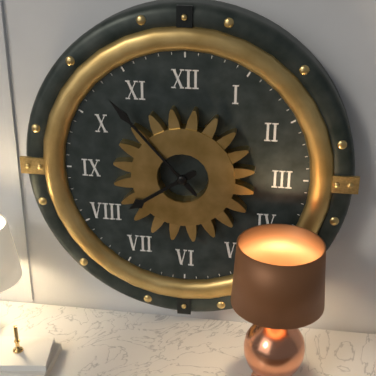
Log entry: 7:53
